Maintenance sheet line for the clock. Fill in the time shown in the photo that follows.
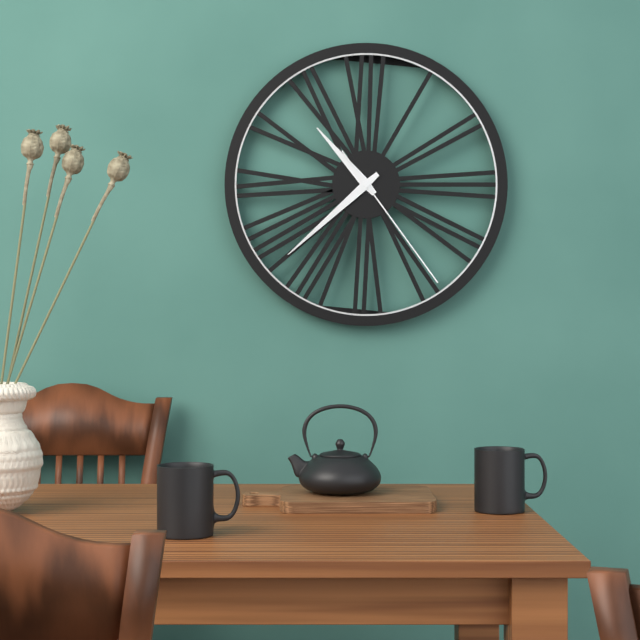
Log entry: 10:38:24
